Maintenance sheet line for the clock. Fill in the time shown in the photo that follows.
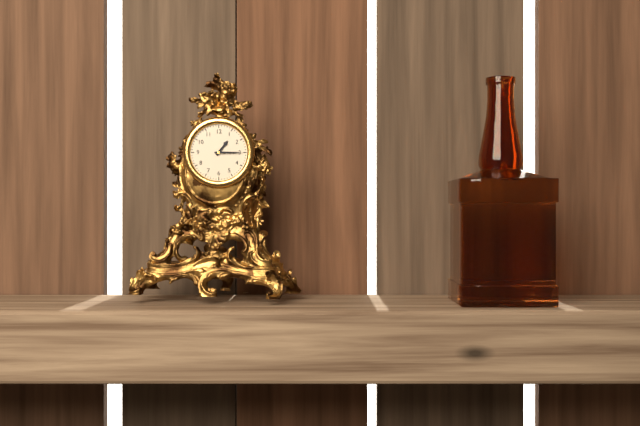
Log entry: 1:15
